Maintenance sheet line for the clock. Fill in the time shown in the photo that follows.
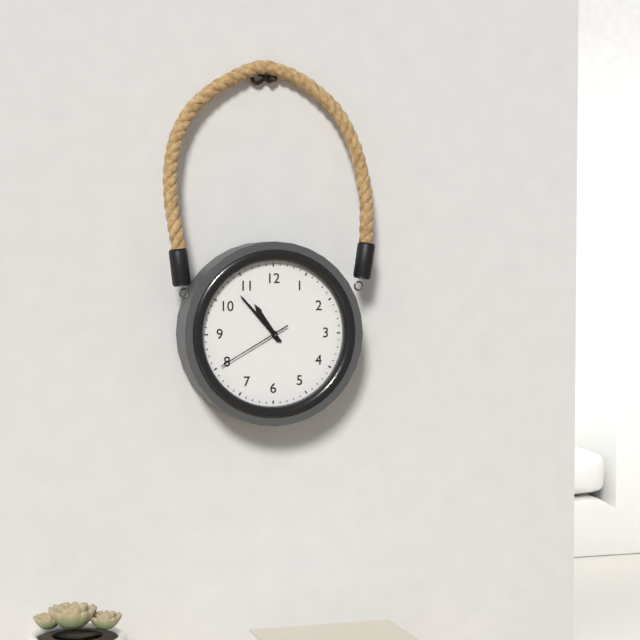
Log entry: 10:53:40
